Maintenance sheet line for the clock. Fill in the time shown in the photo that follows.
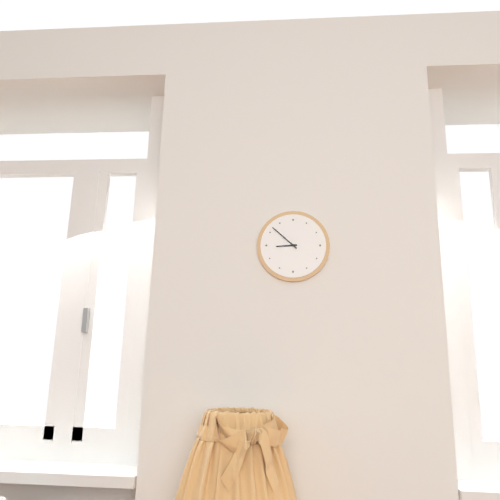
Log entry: 8:52
